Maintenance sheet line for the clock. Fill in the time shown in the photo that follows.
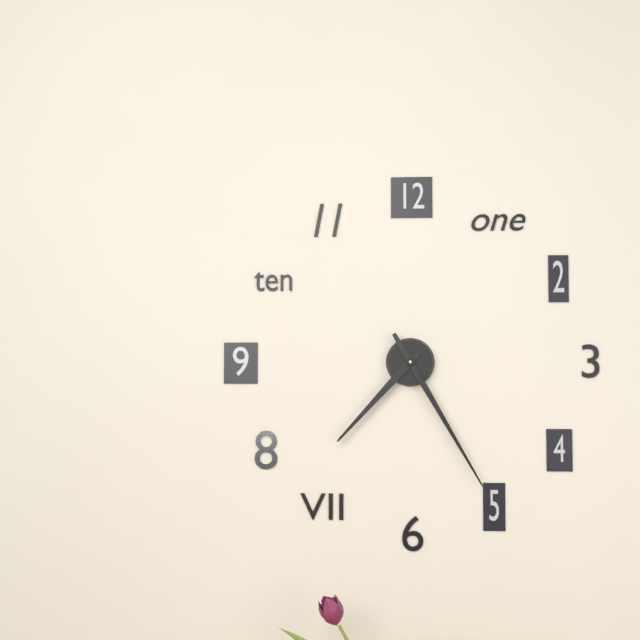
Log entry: 7:25
